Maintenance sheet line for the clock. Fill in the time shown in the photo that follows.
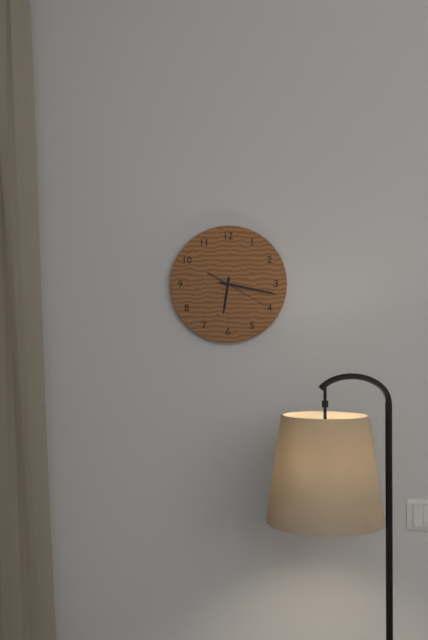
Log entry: 6:17:20
